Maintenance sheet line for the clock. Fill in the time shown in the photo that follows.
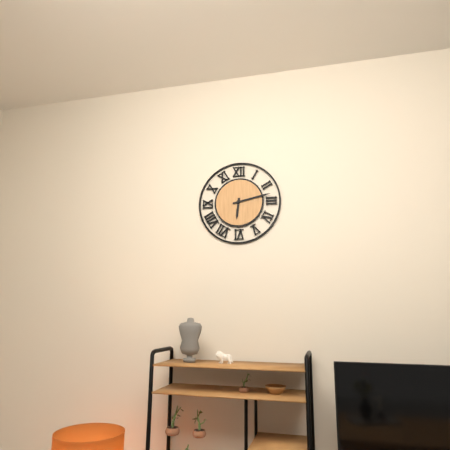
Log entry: 6:13
